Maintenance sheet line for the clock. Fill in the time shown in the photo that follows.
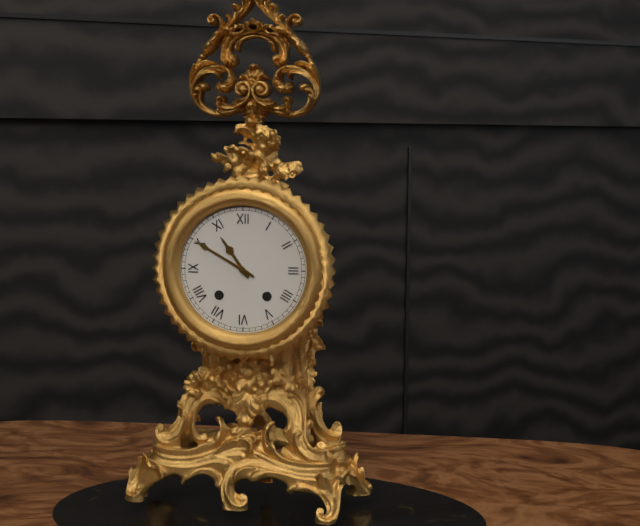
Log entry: 10:50
